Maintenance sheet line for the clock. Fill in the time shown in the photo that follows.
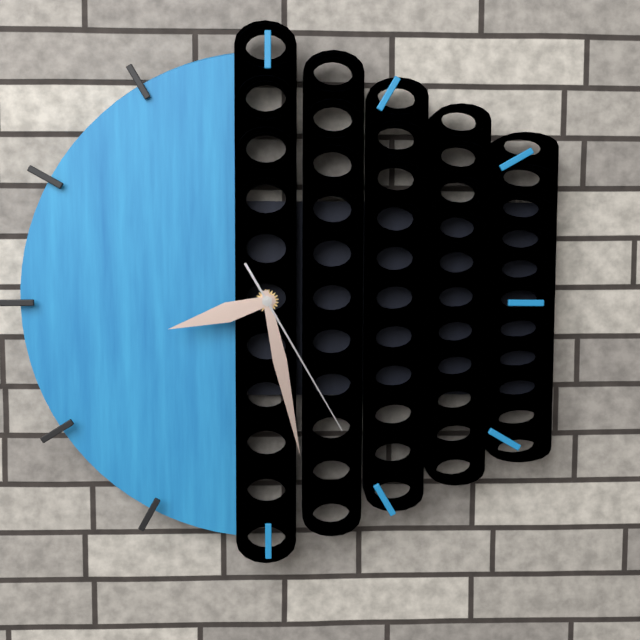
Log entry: 8:28:25
